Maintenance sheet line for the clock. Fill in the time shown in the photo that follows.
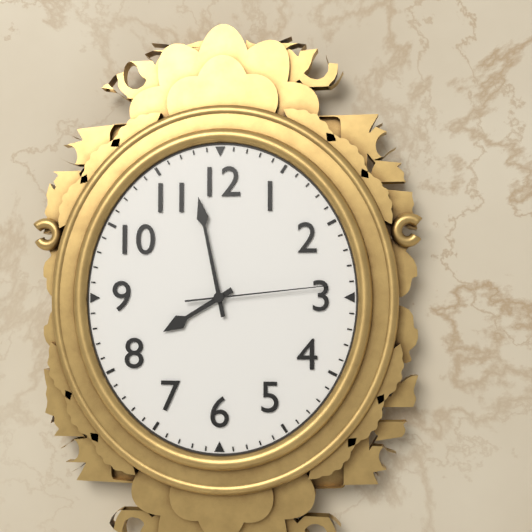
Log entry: 7:58:14
